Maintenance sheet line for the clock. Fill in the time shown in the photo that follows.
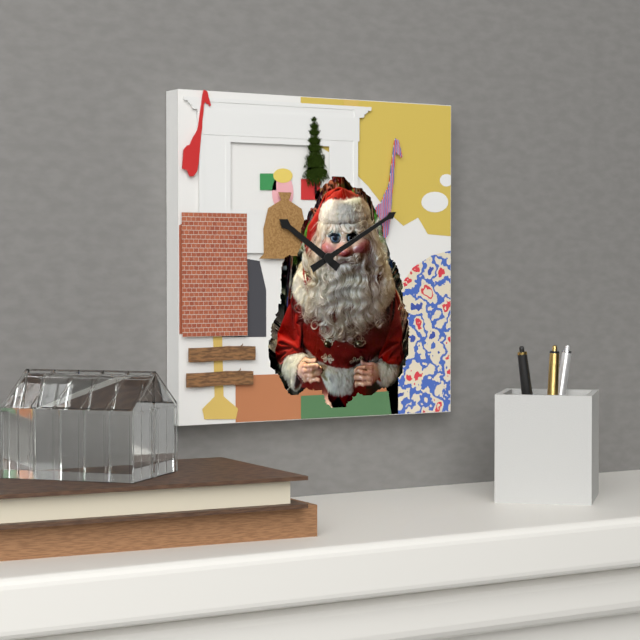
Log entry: 10:10
